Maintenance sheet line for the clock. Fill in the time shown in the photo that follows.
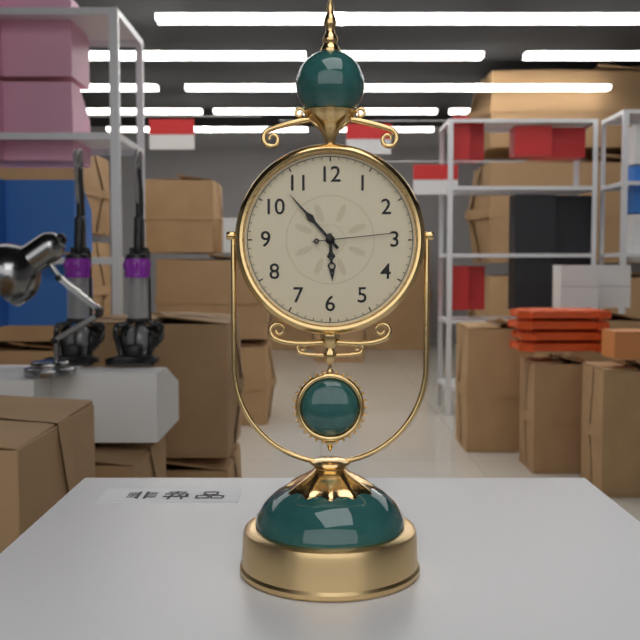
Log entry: 5:53:14
